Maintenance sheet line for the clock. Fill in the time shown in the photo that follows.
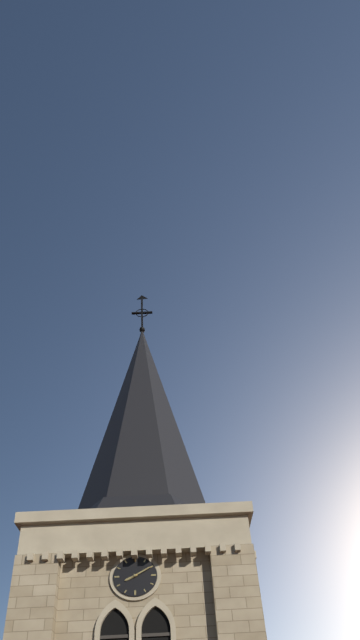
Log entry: 8:10
